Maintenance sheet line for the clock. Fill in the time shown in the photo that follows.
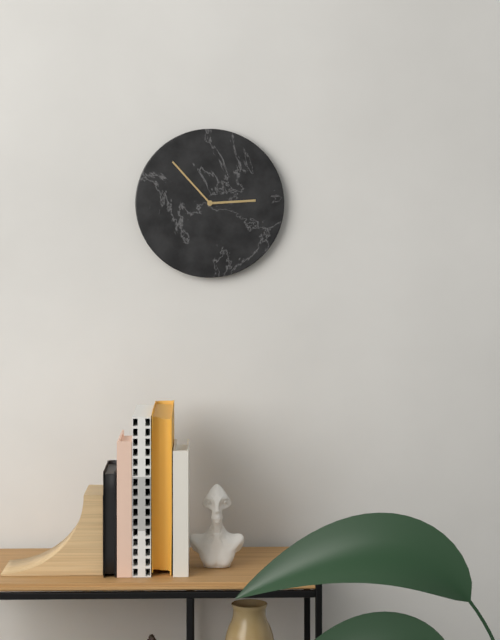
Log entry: 2:53
